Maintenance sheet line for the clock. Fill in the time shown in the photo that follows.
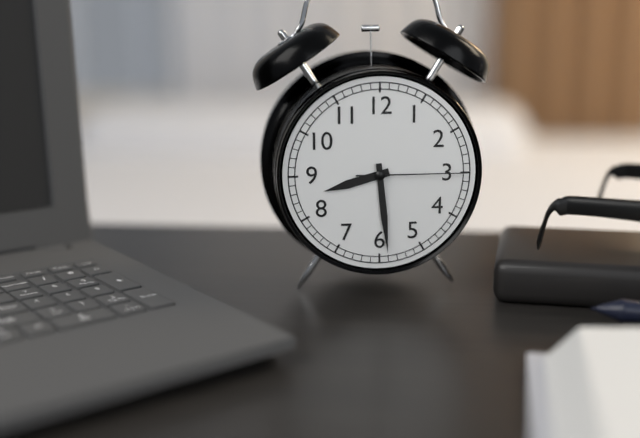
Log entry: 8:29:15
